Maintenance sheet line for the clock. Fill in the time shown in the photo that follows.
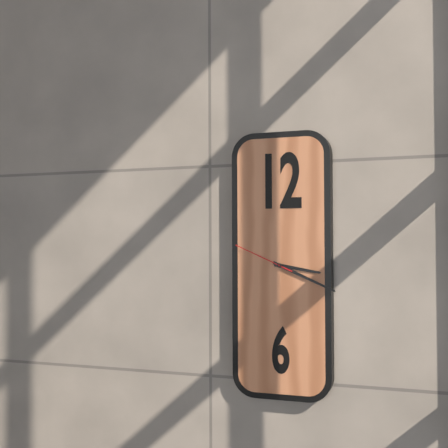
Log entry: 3:19:49
